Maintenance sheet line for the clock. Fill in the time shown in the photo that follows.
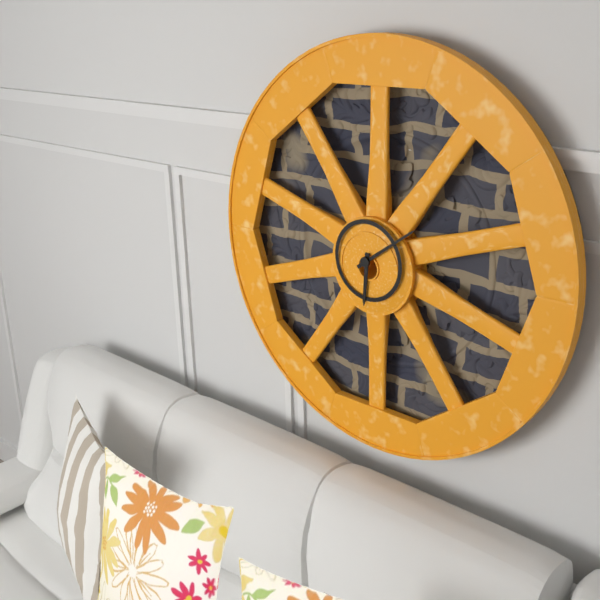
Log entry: 6:09
